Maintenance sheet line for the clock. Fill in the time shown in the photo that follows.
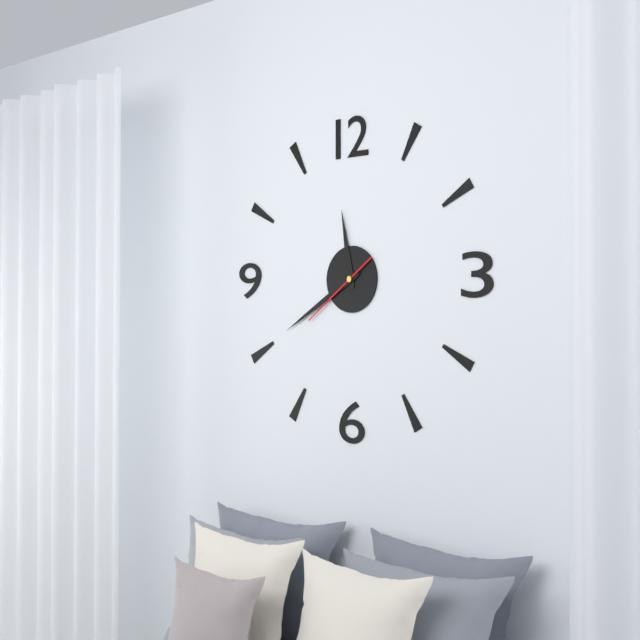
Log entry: 11:40:39
